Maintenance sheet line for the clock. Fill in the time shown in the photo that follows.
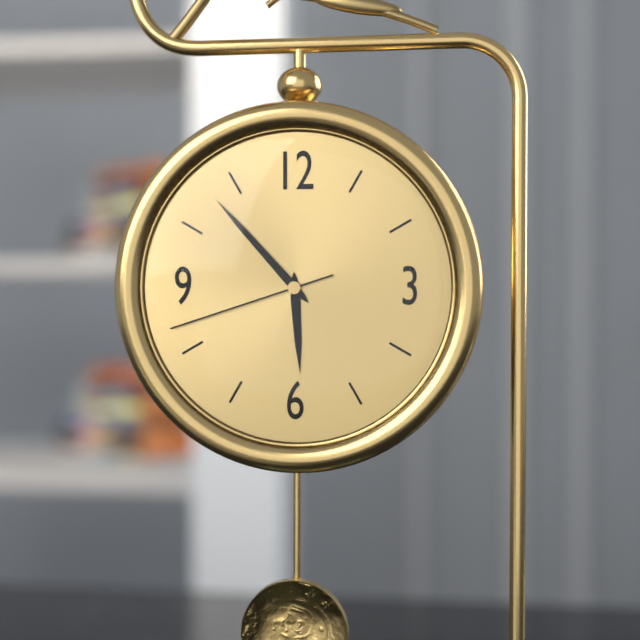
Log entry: 5:53:42
